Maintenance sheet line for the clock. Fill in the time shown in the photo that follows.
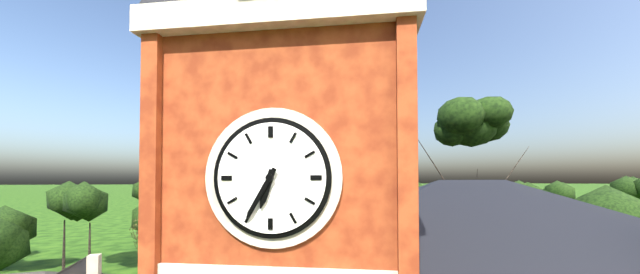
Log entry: 6:35
